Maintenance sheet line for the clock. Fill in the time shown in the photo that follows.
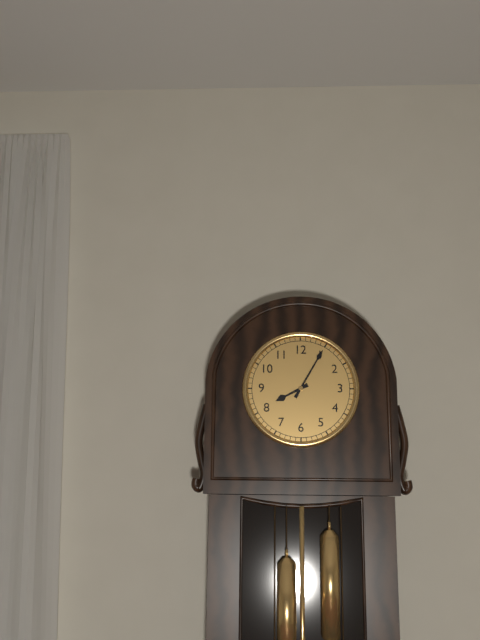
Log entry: 8:05
